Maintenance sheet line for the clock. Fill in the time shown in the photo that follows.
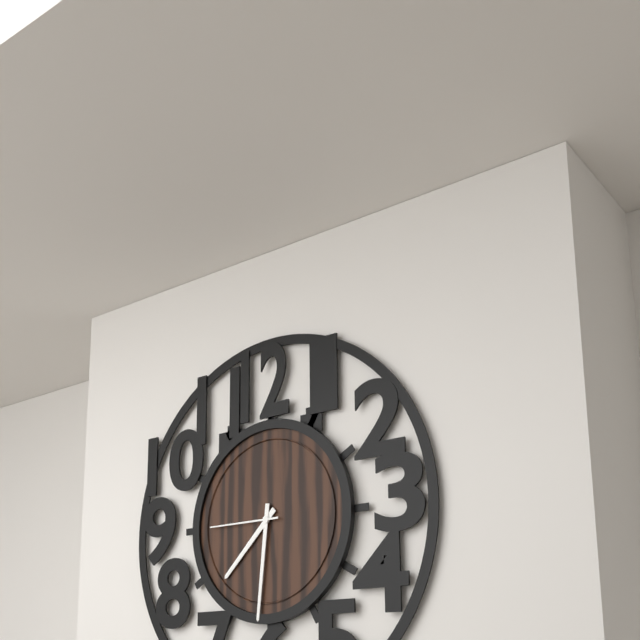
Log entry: 7:31:45
